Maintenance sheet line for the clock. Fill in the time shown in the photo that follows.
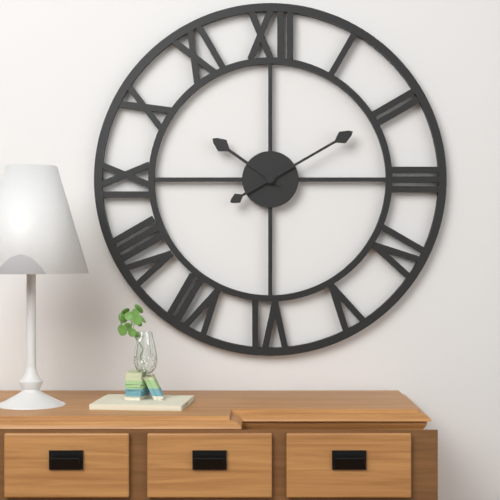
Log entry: 10:10
